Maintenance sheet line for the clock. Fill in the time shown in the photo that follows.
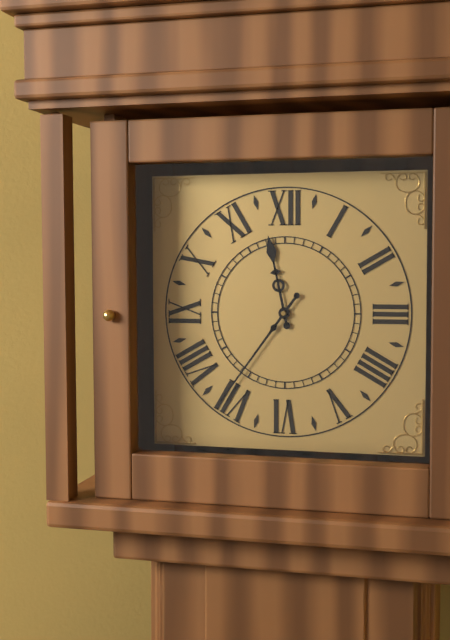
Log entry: 11:36
